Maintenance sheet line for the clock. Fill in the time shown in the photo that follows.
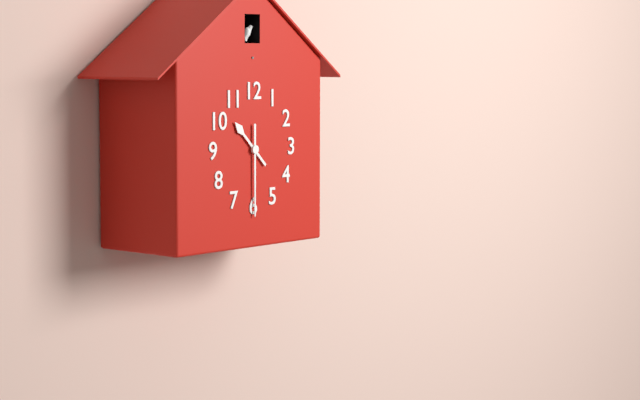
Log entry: 10:30
